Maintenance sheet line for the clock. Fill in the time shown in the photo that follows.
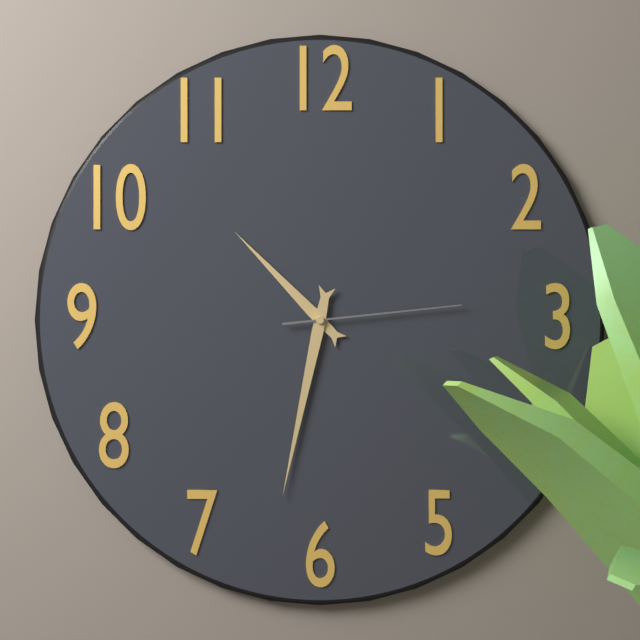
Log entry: 10:32:14
